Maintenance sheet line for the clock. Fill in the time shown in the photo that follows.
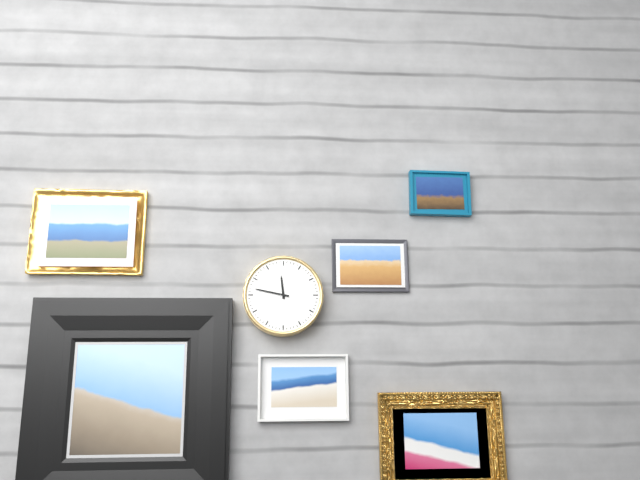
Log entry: 11:47
